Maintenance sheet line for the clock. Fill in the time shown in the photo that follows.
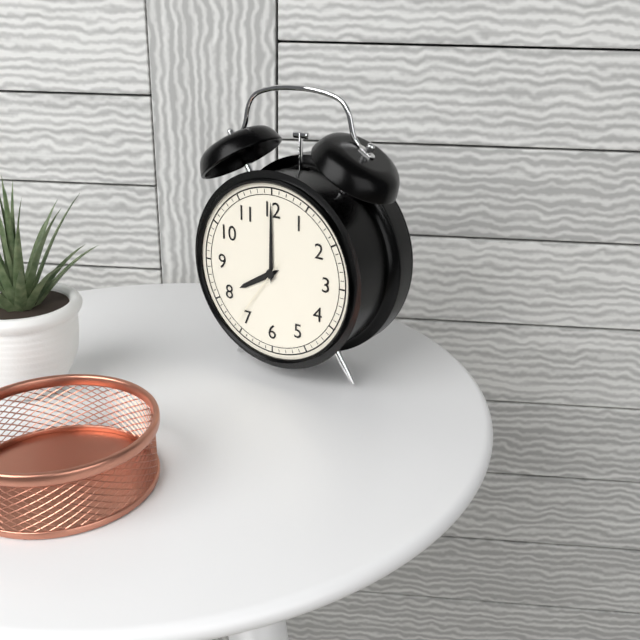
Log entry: 8:00:36
